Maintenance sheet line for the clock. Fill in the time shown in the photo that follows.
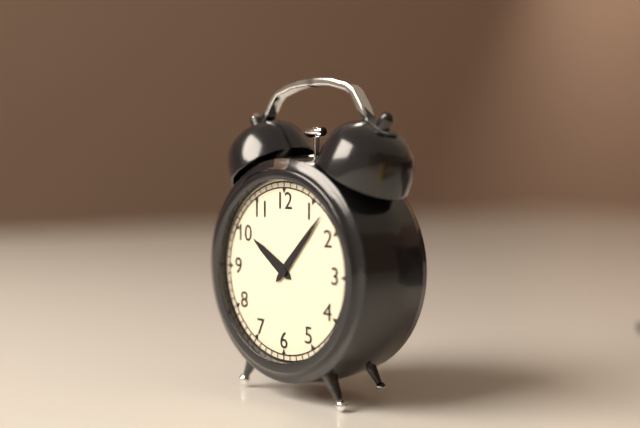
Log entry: 10:07
